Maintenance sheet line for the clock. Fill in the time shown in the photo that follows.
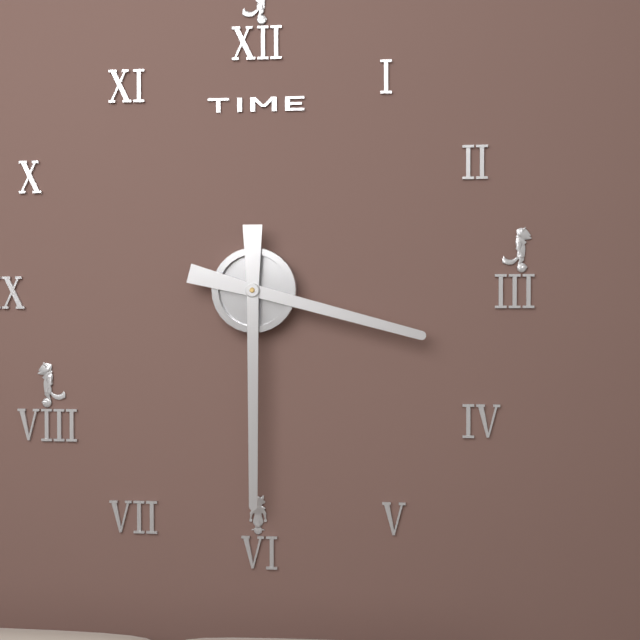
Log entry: 3:30
